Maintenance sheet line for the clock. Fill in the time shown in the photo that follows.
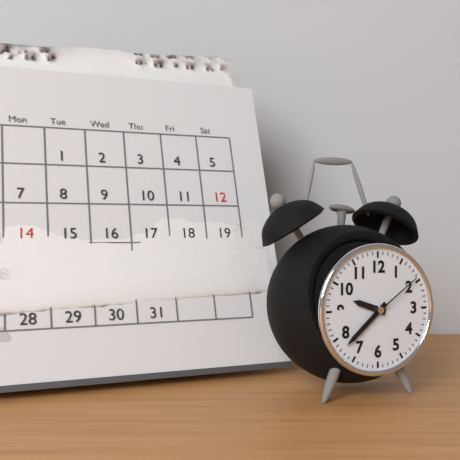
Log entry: 9:38:09
